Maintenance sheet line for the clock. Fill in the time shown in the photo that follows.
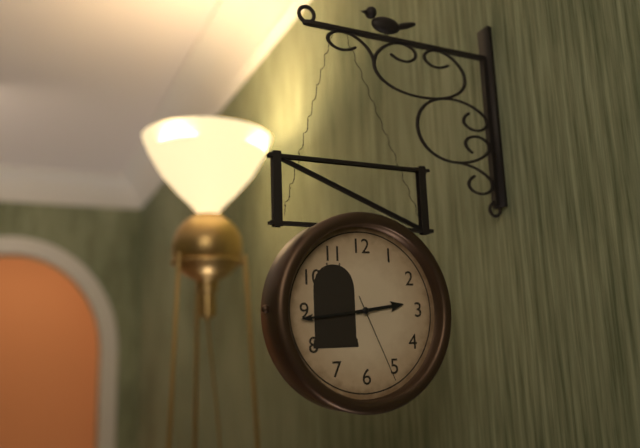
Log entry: 2:44:26
